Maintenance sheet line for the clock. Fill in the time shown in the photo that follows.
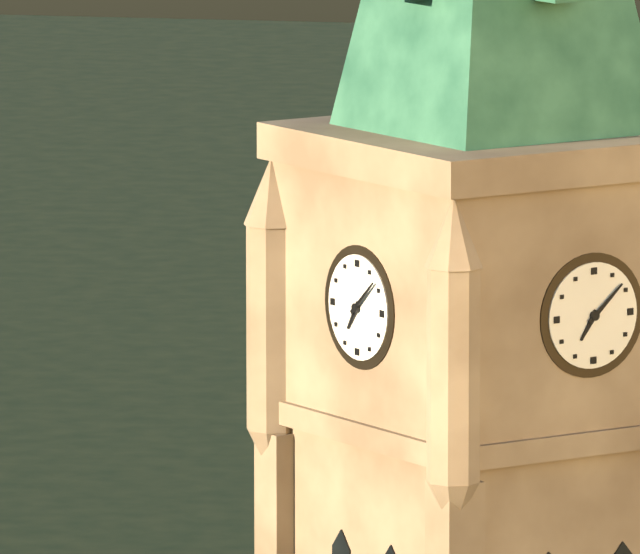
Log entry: 7:08
